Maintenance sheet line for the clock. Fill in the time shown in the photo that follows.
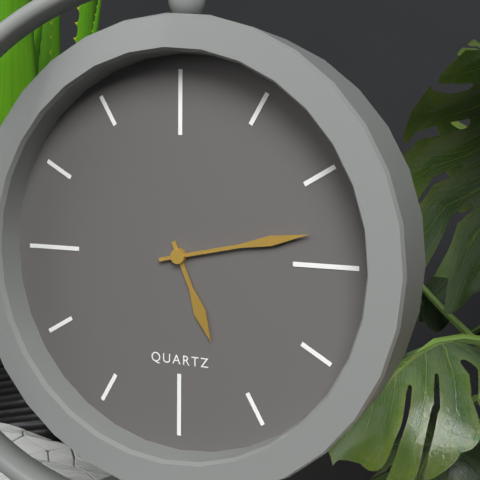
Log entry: 5:13
